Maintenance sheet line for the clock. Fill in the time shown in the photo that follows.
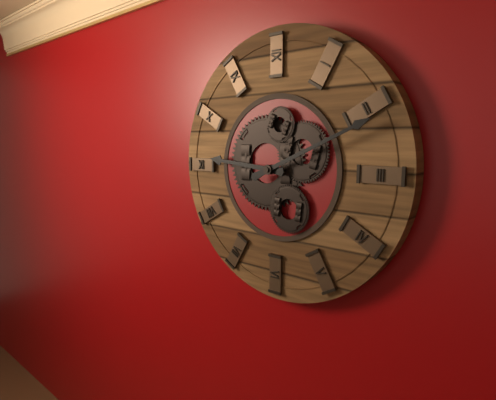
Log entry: 9:11
